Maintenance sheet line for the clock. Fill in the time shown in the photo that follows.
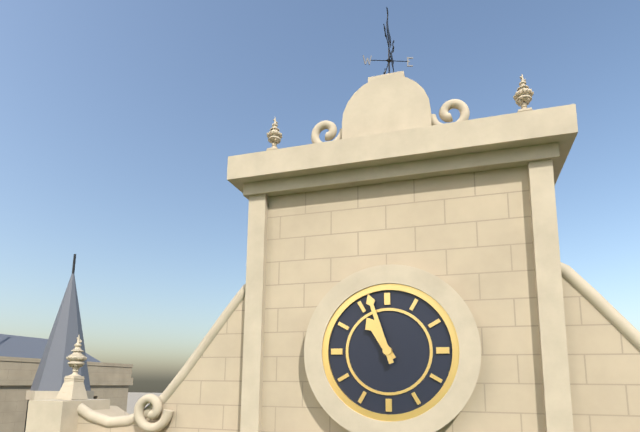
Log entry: 10:57
